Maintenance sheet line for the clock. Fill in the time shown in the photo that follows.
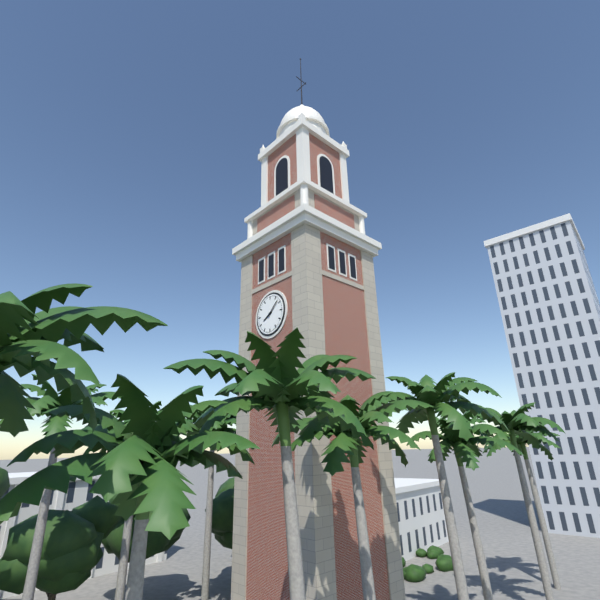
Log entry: 8:08
